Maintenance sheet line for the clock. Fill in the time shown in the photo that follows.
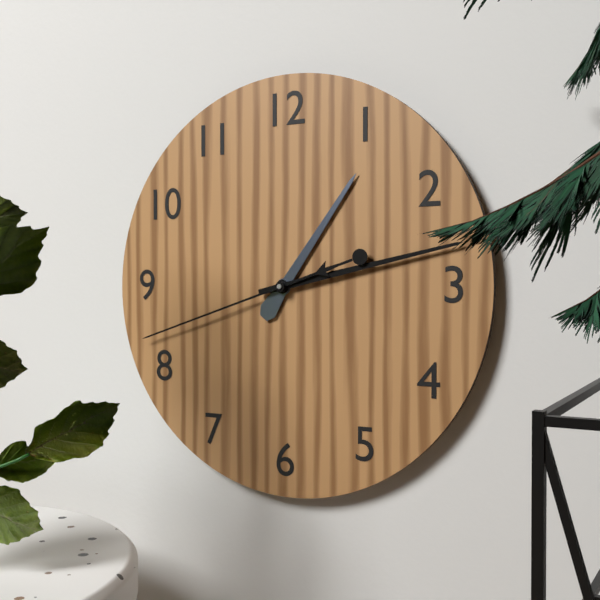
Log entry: 1:13:42
